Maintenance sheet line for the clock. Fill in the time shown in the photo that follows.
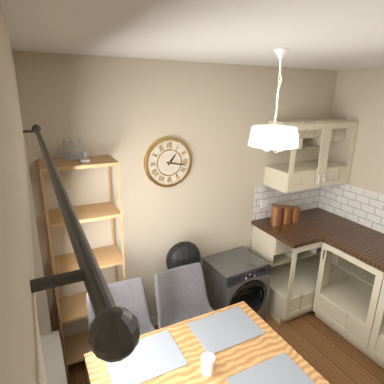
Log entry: 1:17
